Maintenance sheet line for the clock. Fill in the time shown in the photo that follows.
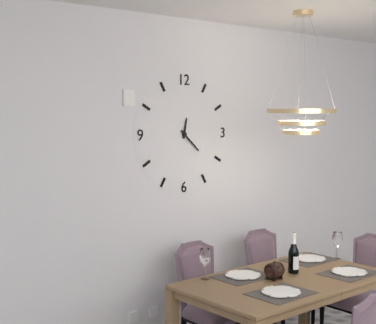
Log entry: 12:22
